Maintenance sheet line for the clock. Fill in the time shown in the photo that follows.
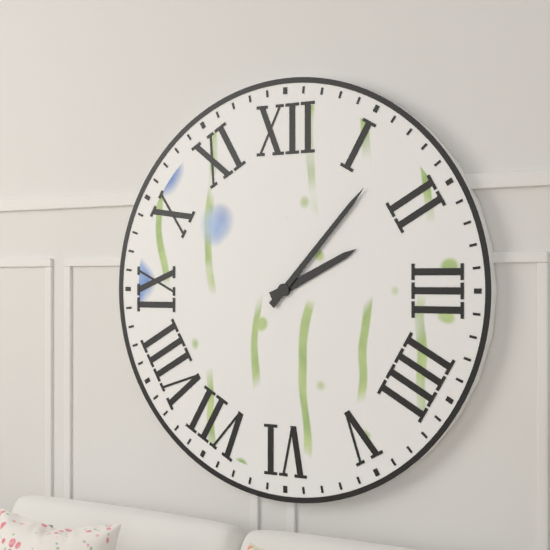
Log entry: 2:07
